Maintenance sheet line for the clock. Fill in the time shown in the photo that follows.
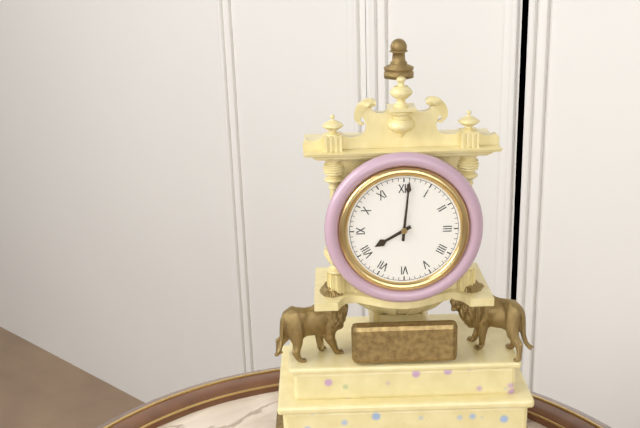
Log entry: 8:01
